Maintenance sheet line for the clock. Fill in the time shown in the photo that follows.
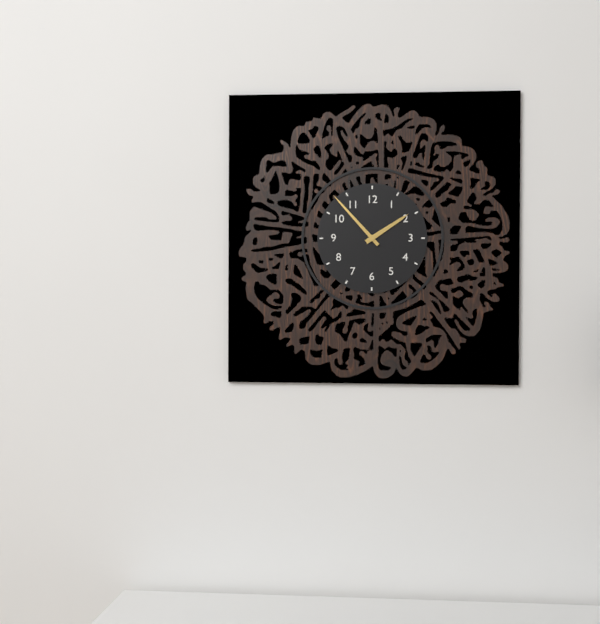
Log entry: 1:53
